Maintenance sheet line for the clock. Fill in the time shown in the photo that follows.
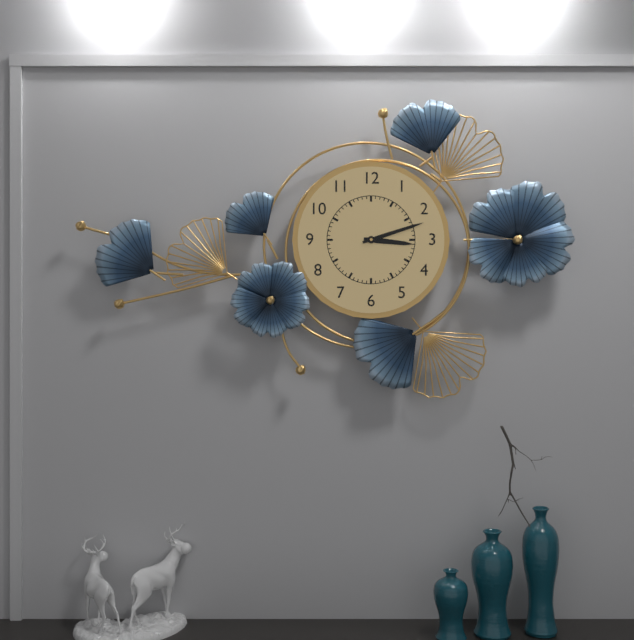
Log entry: 3:12
